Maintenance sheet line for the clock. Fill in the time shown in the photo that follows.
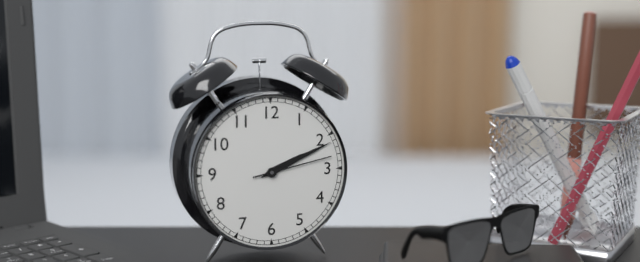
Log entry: 2:11:13
